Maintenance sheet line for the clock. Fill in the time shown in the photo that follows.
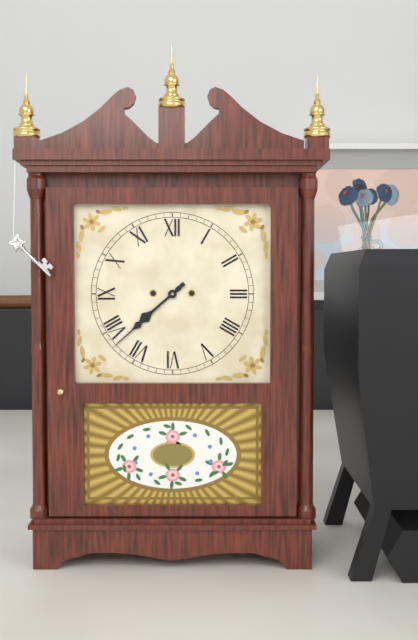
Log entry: 7:38
